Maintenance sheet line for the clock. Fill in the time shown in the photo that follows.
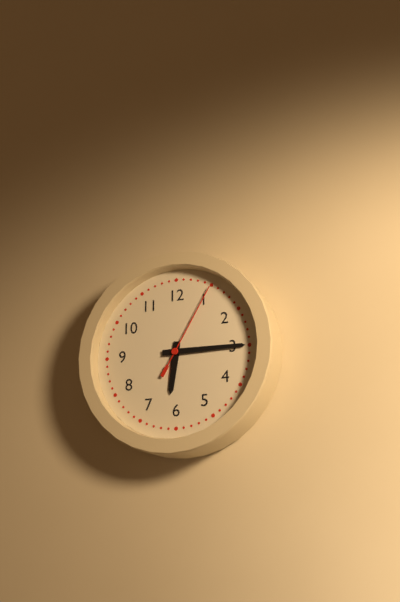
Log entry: 6:15:05
